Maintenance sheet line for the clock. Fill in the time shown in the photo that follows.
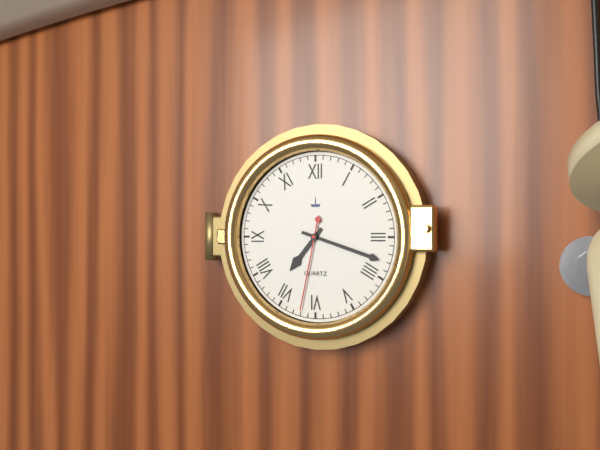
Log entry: 7:18:32
